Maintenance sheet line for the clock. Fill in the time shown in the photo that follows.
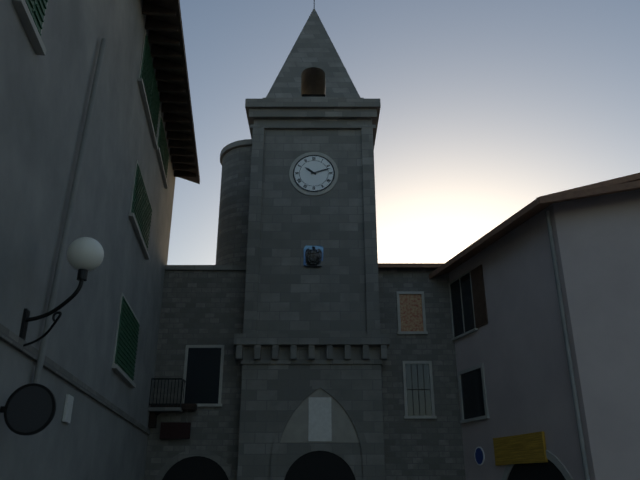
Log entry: 10:12
